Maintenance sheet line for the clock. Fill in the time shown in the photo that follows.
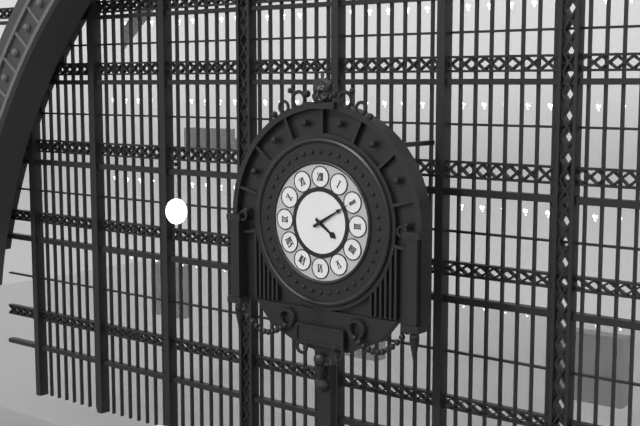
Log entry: 4:10
